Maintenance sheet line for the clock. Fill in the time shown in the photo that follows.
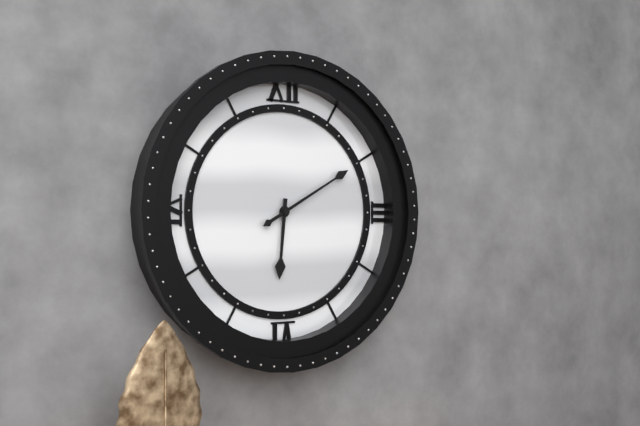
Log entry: 6:10
